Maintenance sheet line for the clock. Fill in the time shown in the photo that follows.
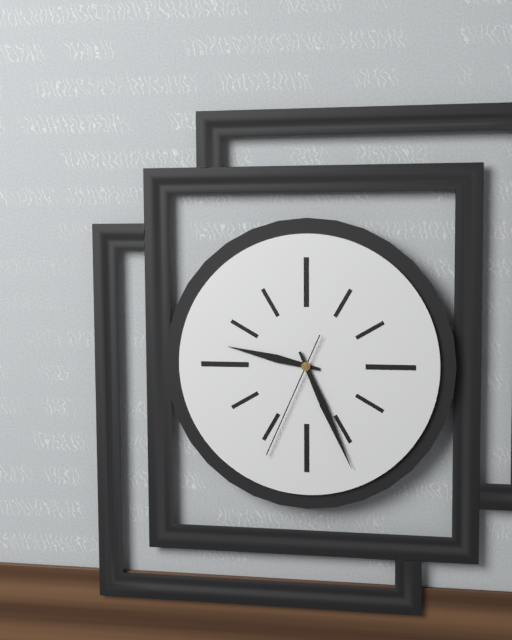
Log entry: 9:26:34
